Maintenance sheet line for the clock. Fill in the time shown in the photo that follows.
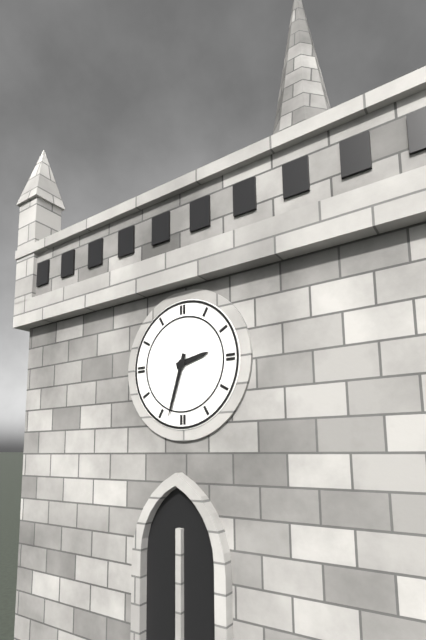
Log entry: 2:33
